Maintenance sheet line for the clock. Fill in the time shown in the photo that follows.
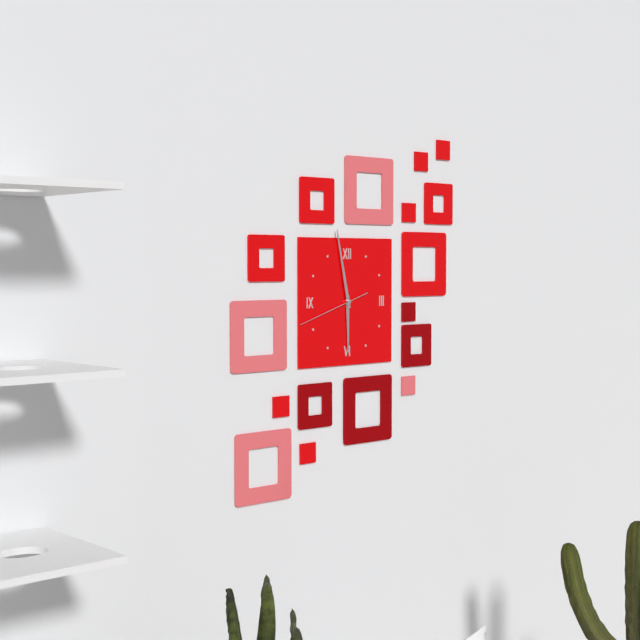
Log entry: 5:58:42
